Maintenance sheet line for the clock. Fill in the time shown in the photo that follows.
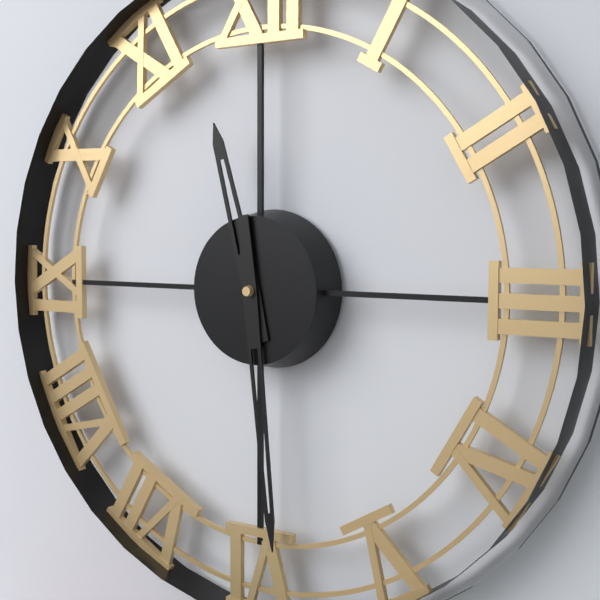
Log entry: 11:29
